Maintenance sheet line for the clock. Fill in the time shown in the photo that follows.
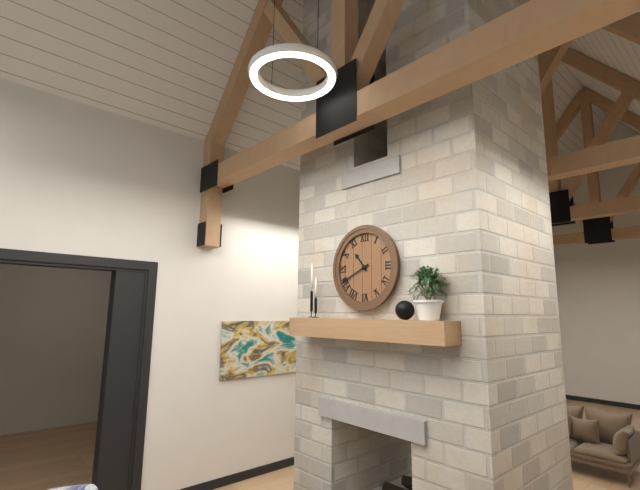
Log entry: 10:41
